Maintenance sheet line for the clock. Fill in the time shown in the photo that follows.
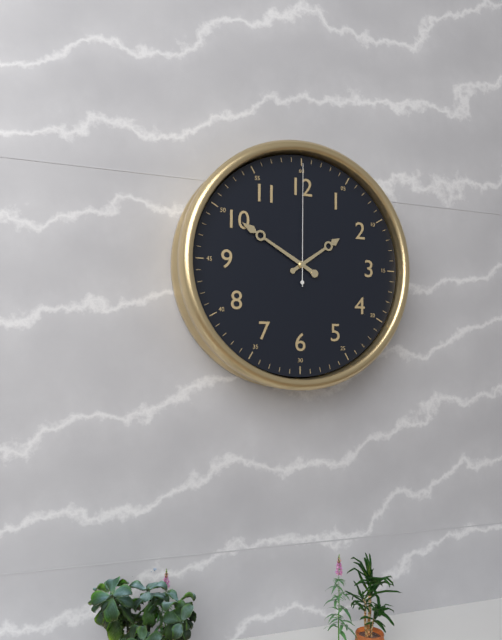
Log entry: 1:50:00
